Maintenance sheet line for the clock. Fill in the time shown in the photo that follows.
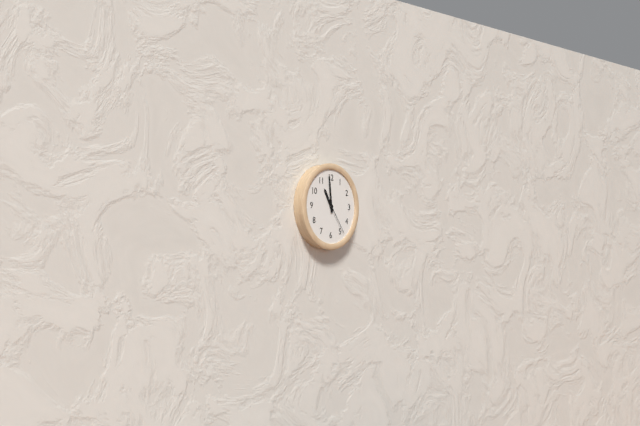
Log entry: 10:59
